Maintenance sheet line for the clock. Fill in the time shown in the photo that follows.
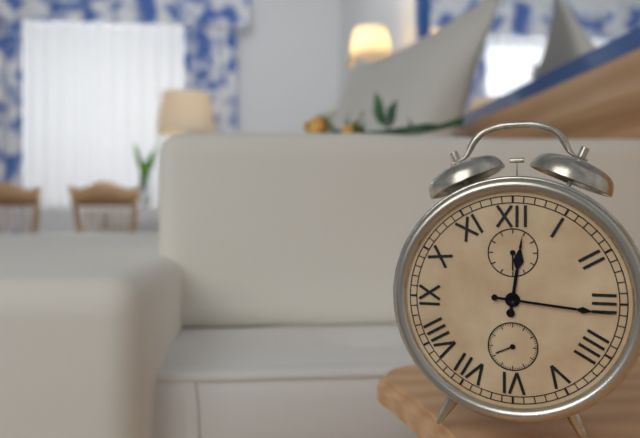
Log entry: 12:16
